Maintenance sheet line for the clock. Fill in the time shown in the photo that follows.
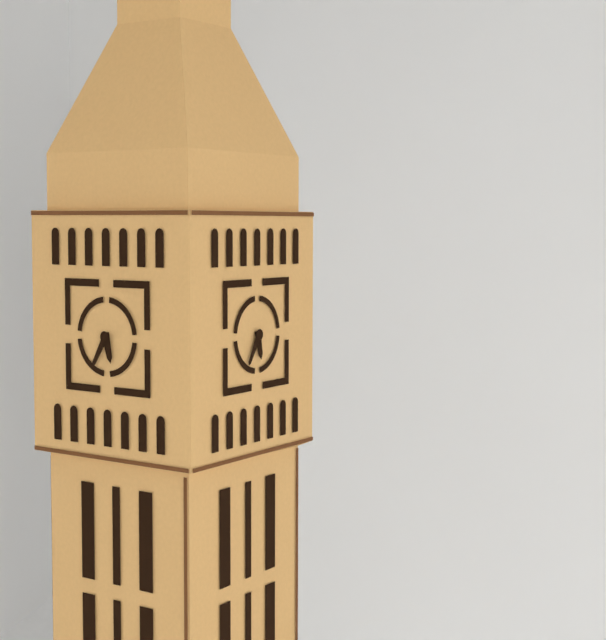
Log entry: 5:35
